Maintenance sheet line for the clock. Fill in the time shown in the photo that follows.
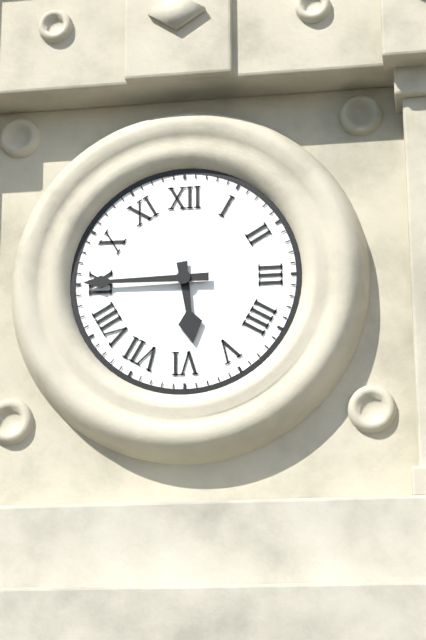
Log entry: 5:45
